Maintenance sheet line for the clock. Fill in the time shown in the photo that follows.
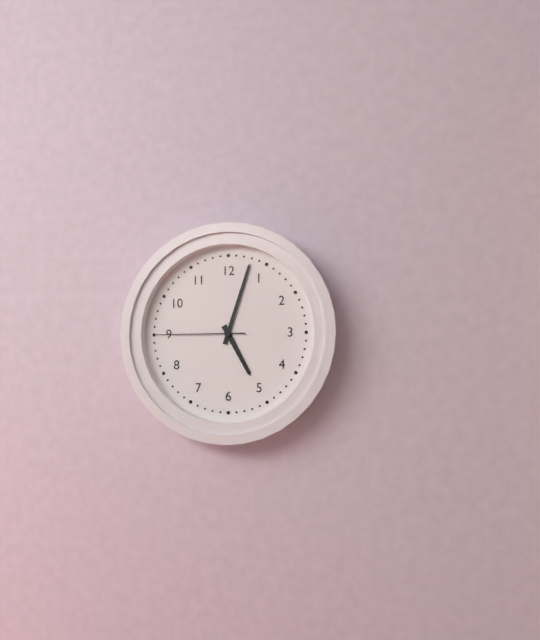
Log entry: 5:03:45
